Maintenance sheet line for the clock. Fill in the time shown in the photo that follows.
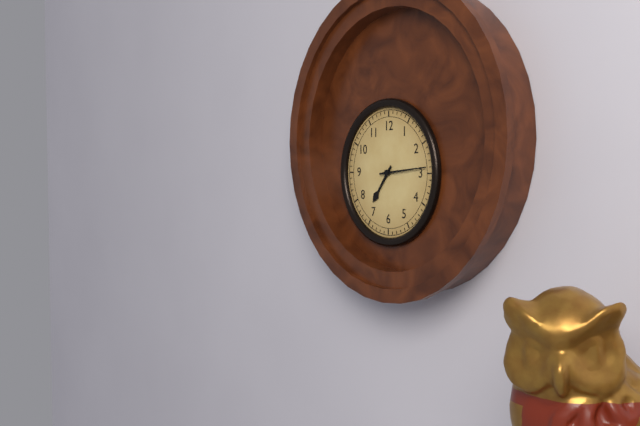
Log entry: 7:14
